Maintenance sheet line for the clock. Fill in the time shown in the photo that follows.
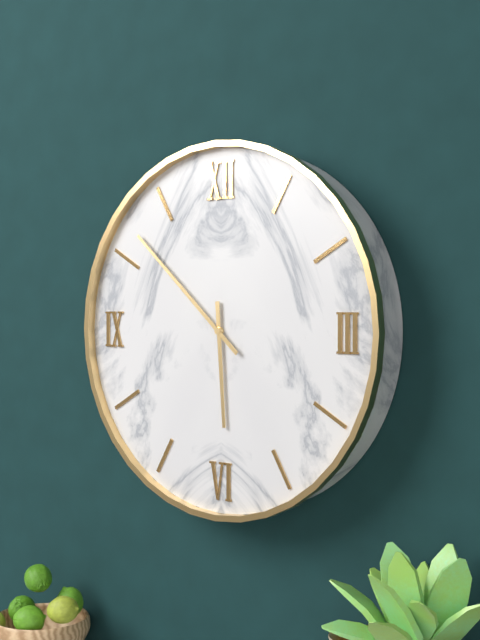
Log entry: 5:52
